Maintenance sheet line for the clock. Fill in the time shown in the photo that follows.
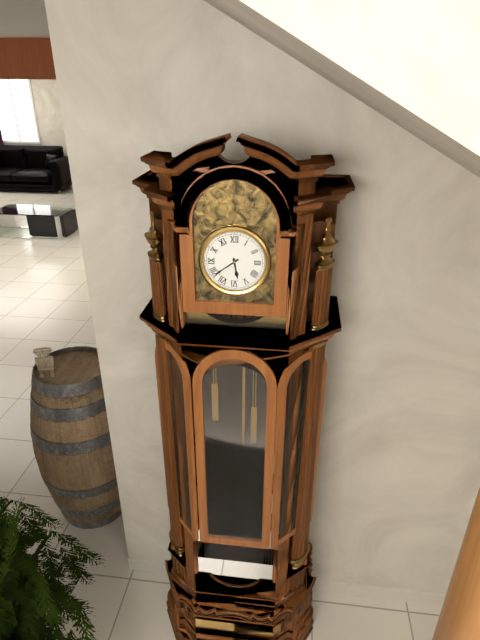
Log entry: 5:39
